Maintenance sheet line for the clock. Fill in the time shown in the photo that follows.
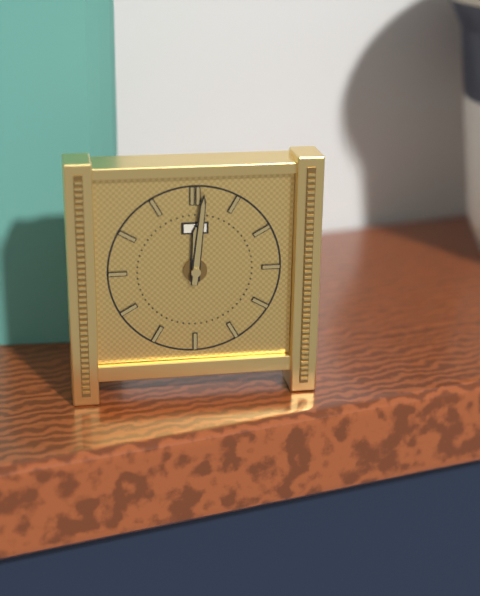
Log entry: 12:01
